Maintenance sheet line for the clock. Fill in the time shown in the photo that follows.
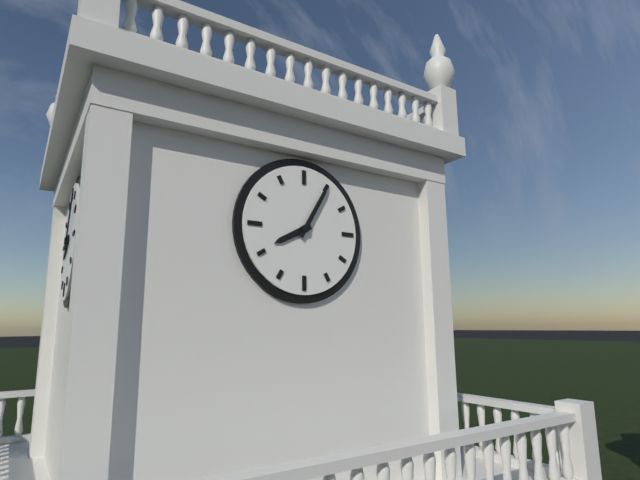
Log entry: 8:05
